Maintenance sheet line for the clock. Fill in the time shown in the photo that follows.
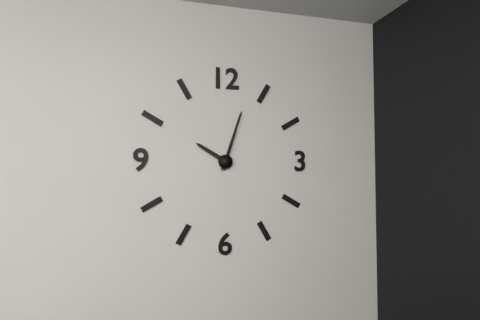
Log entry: 10:03
